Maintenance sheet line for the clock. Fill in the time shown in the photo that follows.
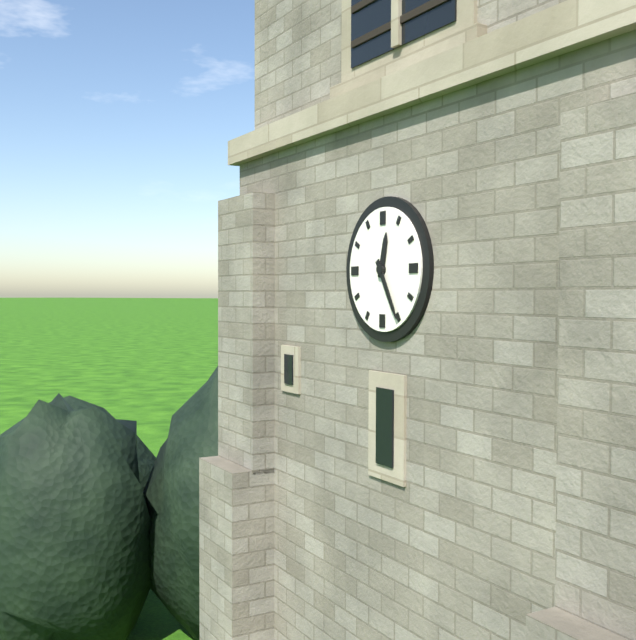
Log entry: 12:25
